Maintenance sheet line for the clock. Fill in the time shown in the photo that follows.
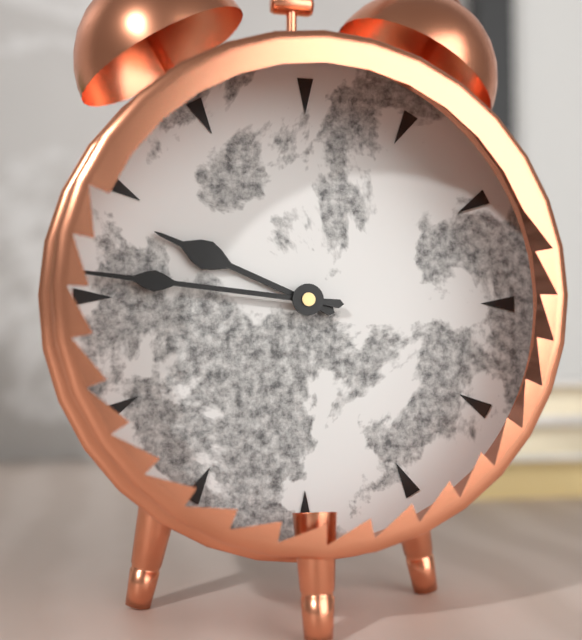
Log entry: 9:46
